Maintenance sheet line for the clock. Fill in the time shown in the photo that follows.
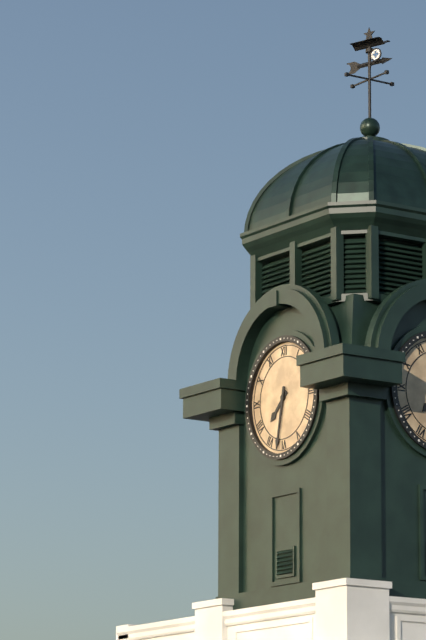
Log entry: 7:32
